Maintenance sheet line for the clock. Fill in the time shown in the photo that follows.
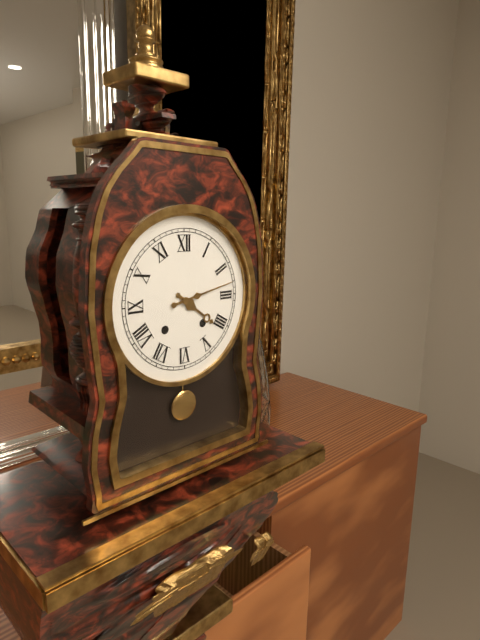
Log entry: 4:13
